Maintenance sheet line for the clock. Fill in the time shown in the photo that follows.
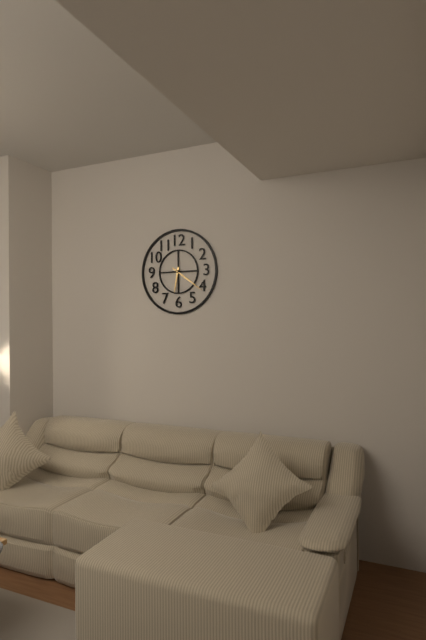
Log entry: 6:21
